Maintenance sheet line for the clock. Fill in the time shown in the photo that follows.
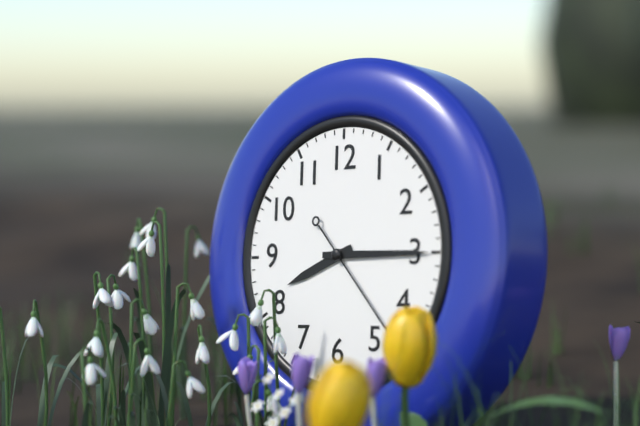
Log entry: 8:15:23
